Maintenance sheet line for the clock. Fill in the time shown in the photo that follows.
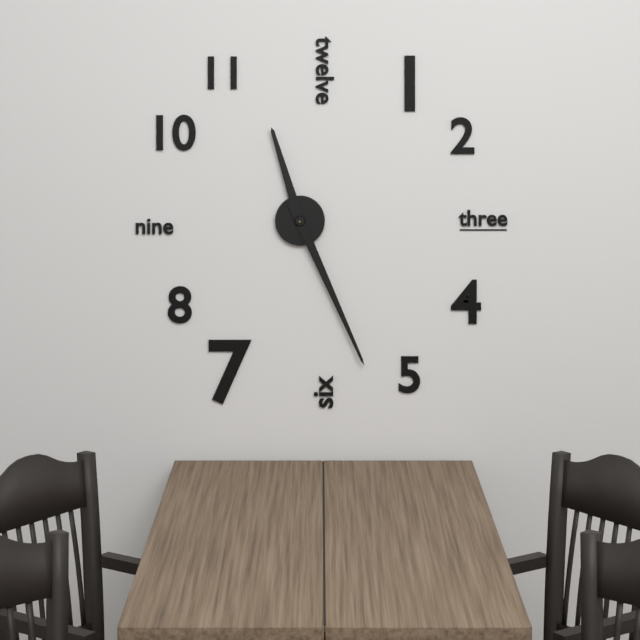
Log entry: 11:26
